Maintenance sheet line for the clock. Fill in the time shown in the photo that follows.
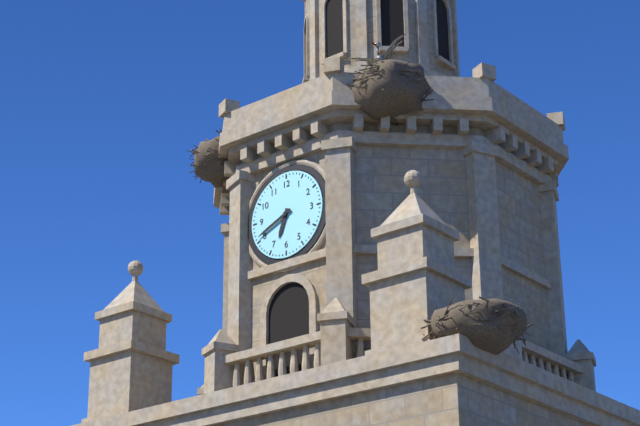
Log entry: 6:41
